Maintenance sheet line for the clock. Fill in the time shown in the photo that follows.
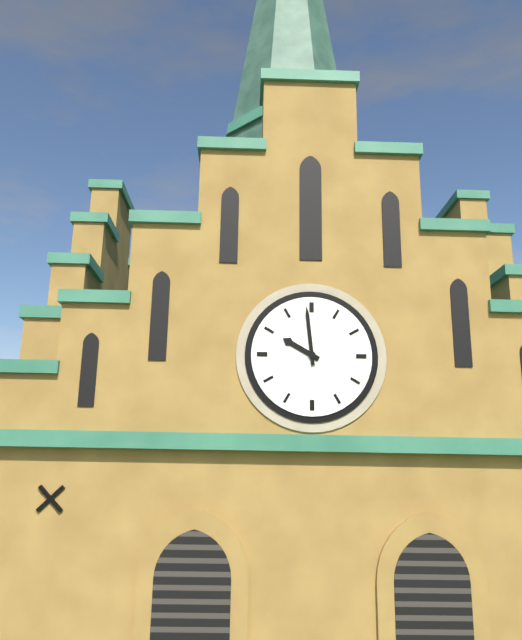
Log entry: 9:59
